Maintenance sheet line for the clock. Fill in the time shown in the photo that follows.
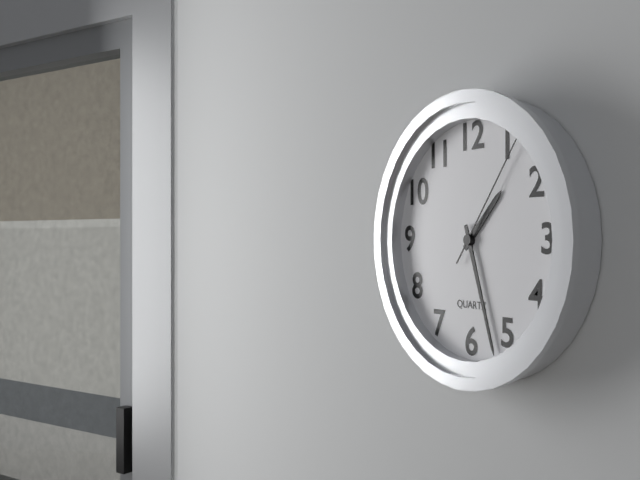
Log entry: 1:27:06
